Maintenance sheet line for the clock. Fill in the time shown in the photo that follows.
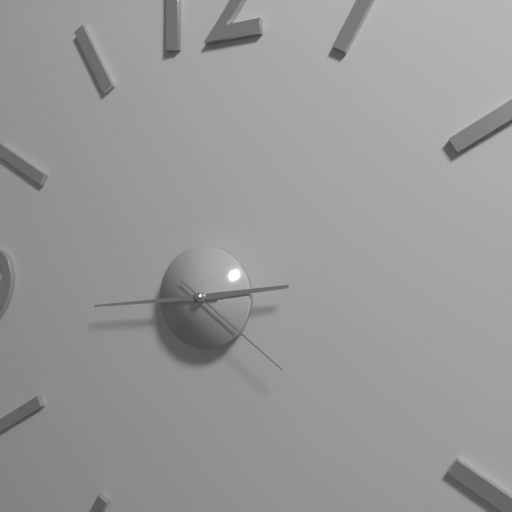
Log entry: 2:44:21
